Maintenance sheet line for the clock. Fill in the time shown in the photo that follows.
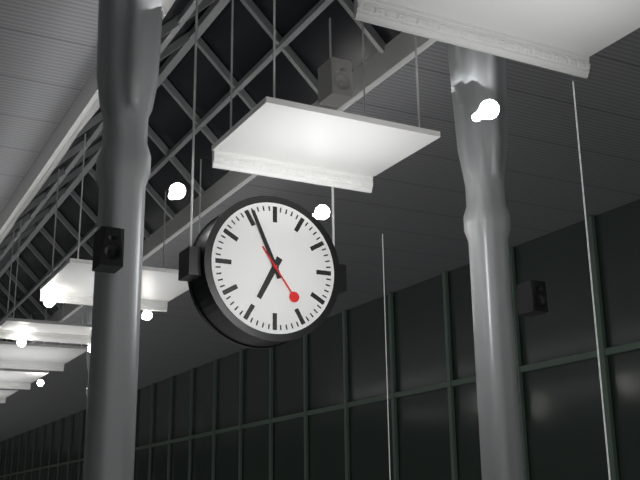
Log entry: 6:56:24
